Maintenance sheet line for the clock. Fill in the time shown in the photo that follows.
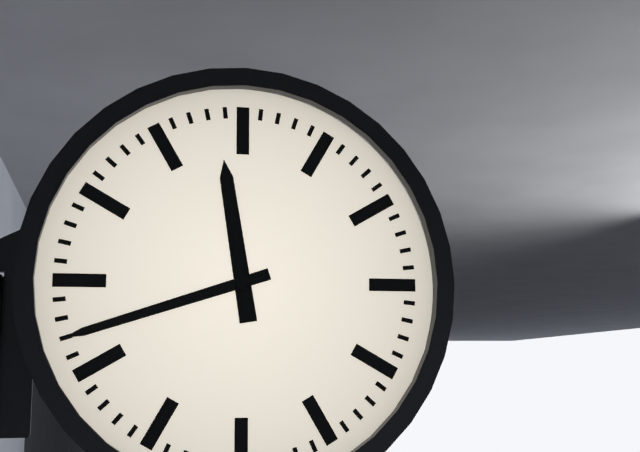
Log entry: 11:42
